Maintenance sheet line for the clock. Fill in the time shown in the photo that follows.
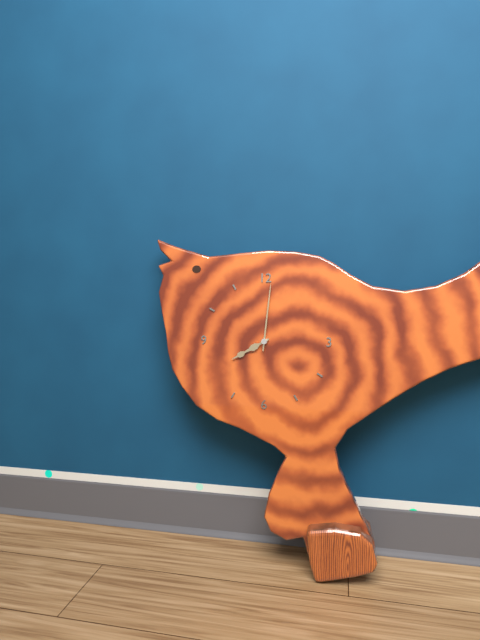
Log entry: 8:01
